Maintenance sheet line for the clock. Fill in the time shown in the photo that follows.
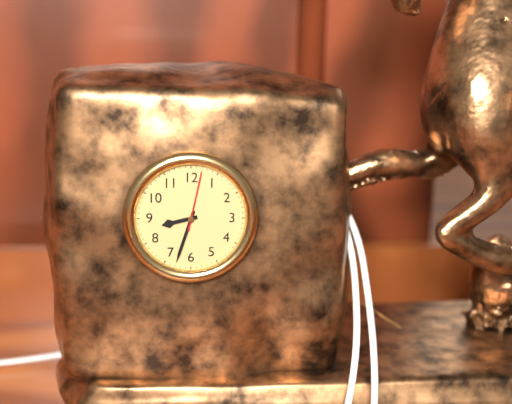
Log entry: 8:33:02
